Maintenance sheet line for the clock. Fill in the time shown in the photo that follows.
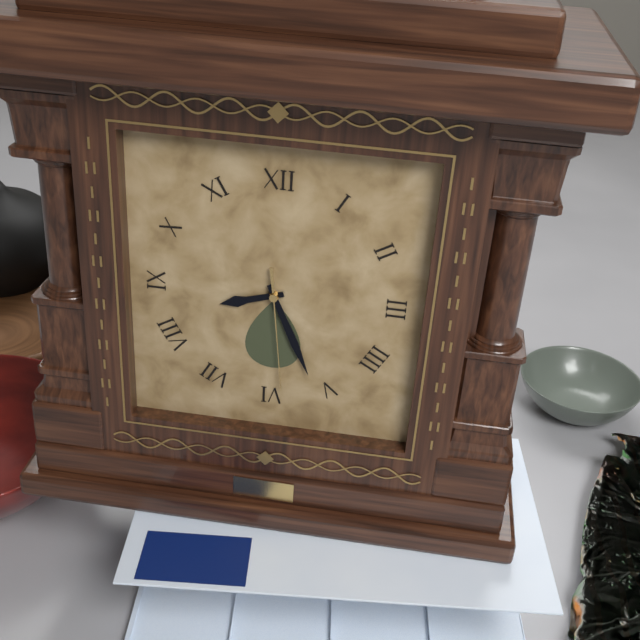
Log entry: 8:26:29
